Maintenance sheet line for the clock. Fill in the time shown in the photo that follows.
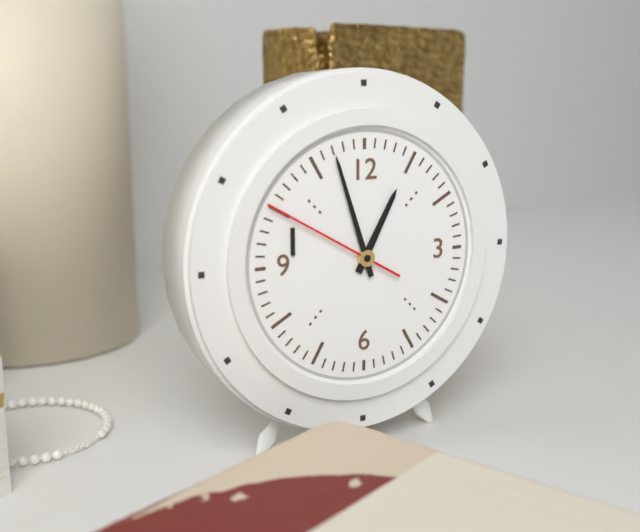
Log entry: 12:57:50
